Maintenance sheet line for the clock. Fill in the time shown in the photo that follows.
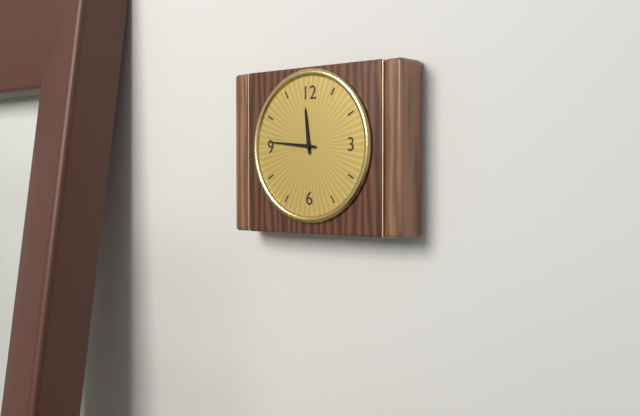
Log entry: 11:46
